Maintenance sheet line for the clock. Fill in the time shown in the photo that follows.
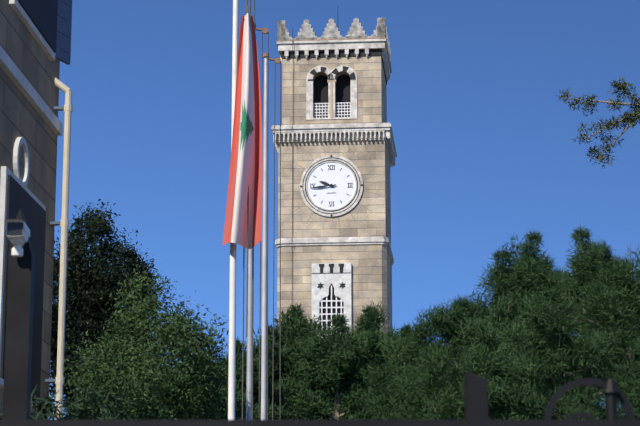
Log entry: 9:44
